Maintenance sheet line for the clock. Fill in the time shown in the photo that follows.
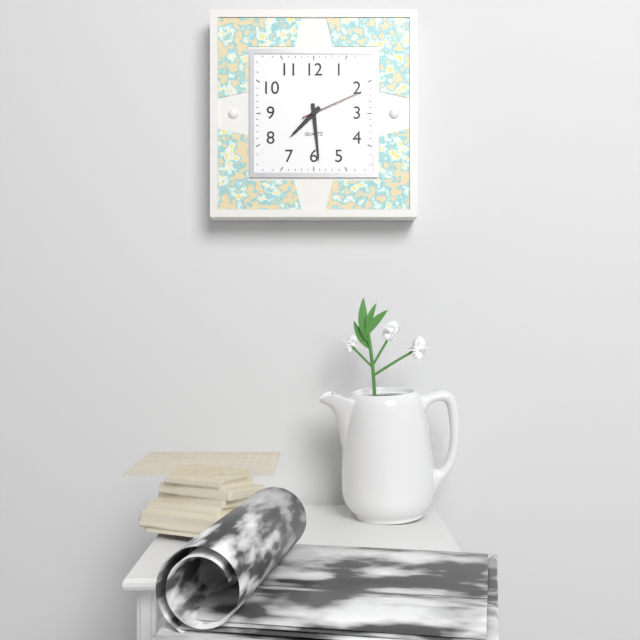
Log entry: 7:29:11
